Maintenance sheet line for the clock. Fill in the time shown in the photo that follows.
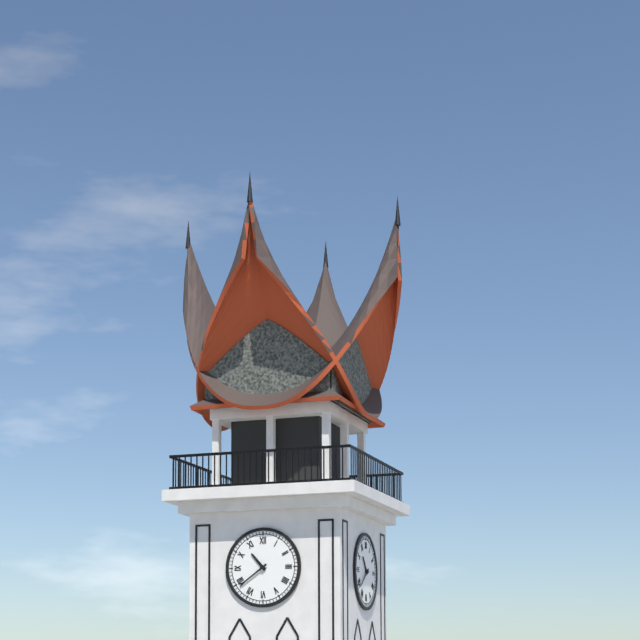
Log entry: 10:39
